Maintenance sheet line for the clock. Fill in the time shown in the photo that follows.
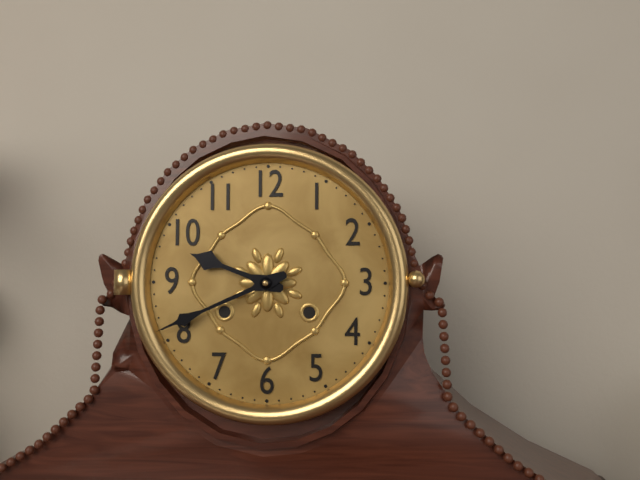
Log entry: 9:41
